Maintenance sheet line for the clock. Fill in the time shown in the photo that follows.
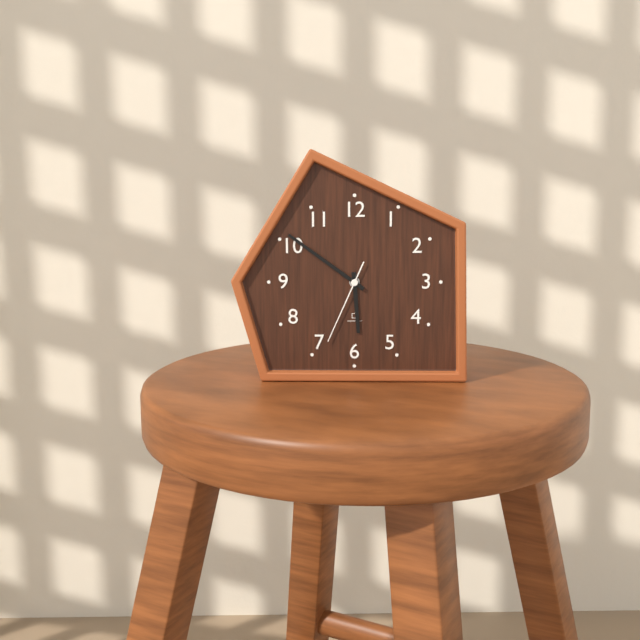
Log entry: 5:51:34
